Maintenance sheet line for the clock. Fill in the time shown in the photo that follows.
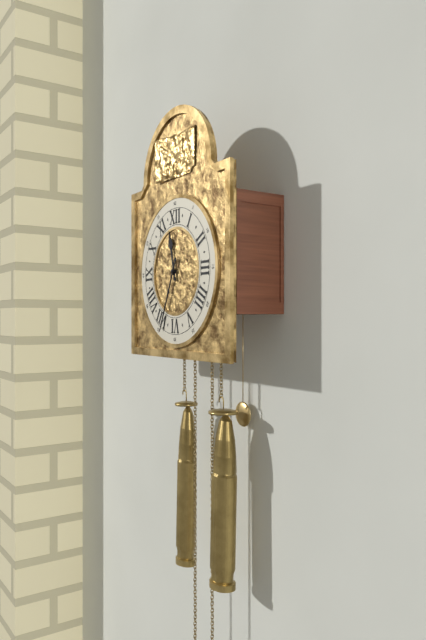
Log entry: 11:34
